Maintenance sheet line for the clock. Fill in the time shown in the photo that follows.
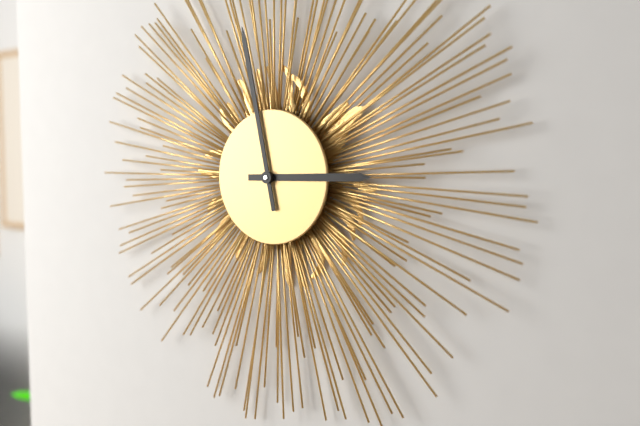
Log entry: 2:58
